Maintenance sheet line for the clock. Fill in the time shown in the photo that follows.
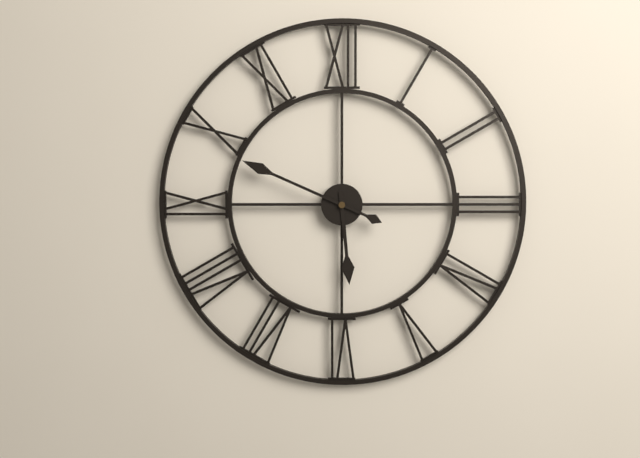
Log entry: 5:49
